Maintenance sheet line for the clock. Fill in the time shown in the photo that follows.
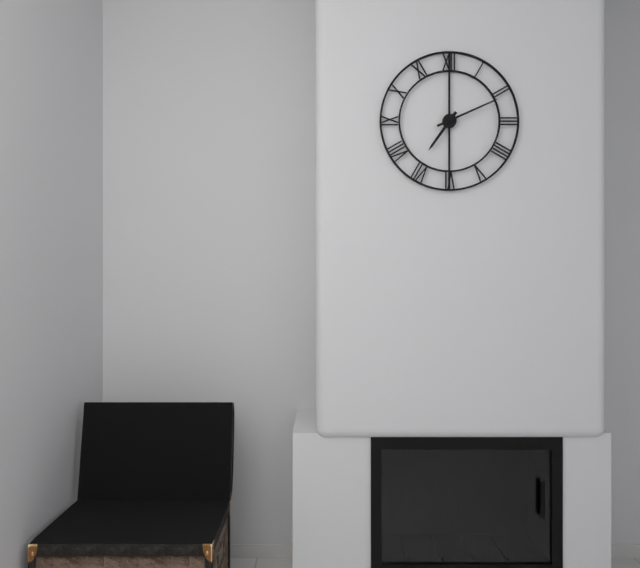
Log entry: 7:11
